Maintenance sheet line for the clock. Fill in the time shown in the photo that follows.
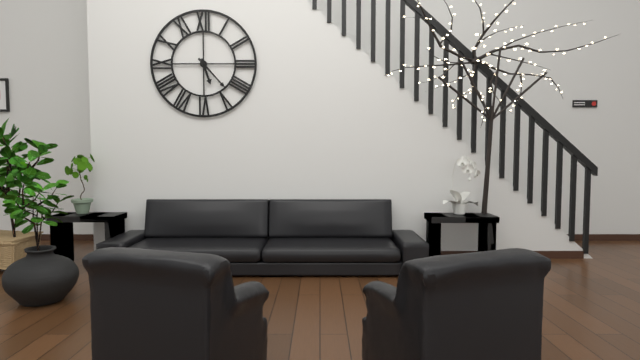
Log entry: 5:23
